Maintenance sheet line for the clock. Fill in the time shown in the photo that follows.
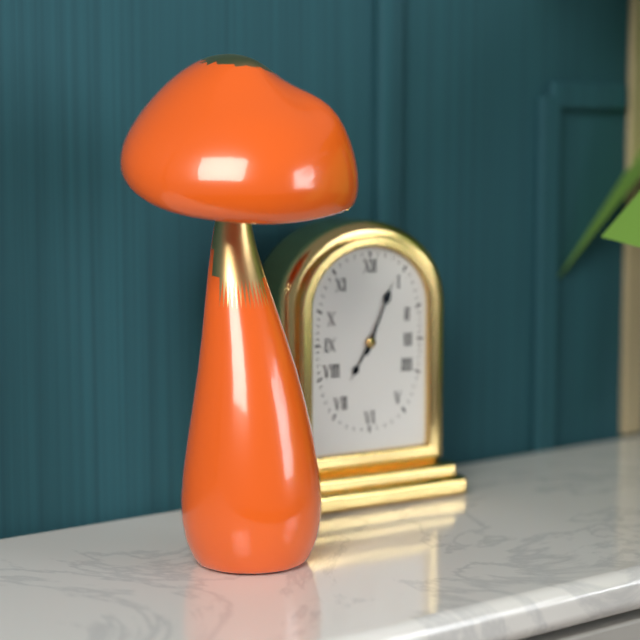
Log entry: 7:04
